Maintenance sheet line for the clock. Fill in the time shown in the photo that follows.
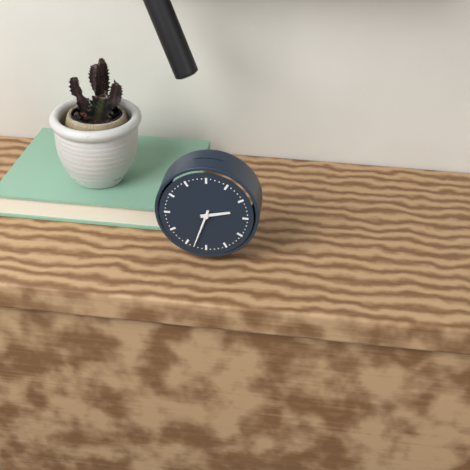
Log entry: 2:33
